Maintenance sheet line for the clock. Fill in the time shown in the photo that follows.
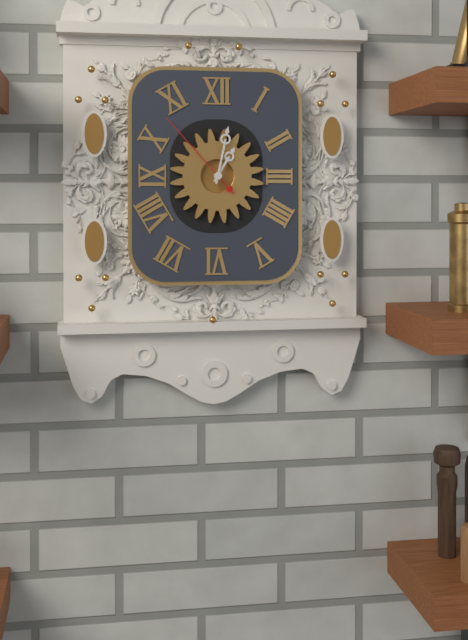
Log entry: 1:02:53
